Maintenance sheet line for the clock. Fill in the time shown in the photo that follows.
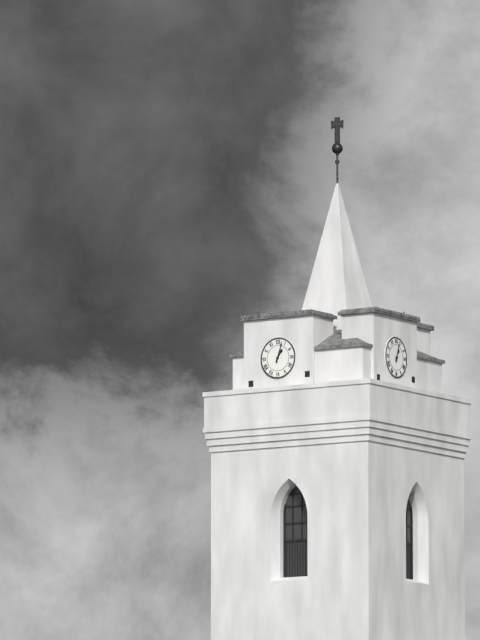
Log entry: 1:03
